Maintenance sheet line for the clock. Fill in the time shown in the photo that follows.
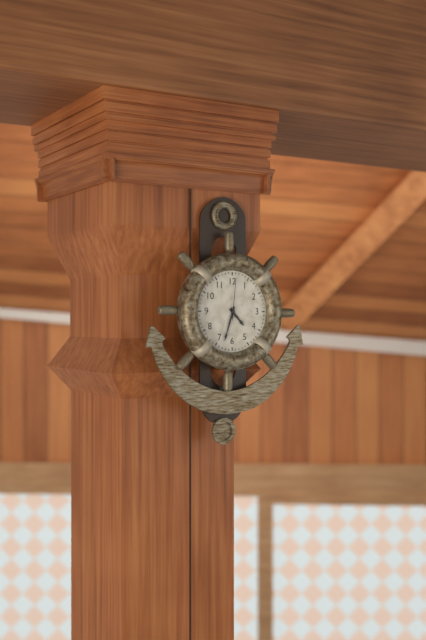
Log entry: 4:33
